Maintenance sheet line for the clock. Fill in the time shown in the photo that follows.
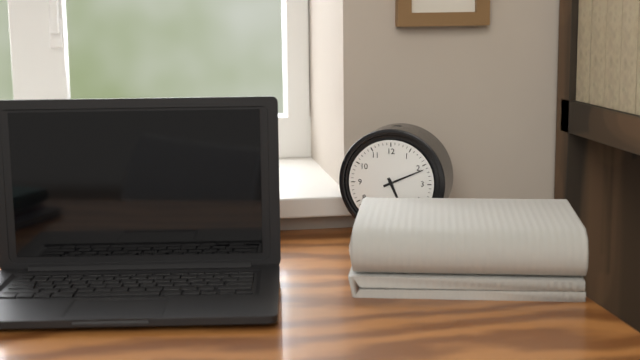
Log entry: 5:11
